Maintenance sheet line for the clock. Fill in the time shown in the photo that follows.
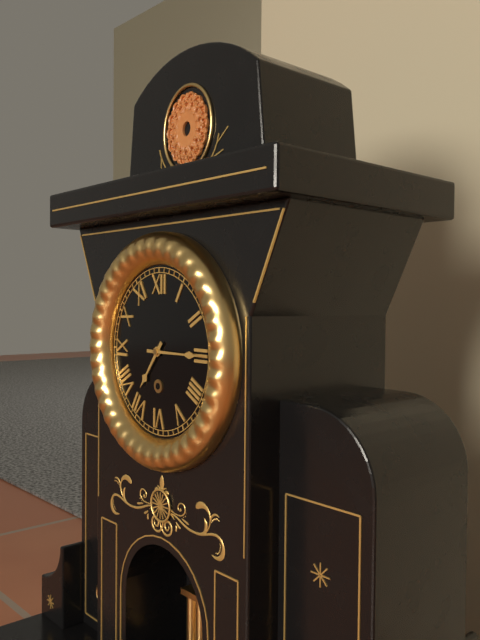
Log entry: 7:15
